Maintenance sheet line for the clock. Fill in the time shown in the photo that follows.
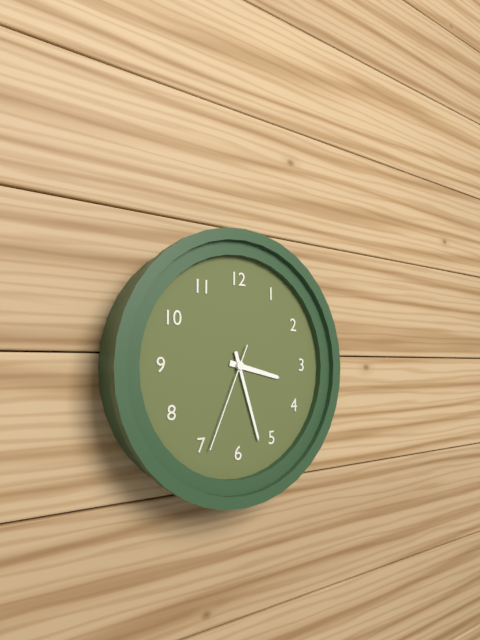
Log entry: 3:27:34
